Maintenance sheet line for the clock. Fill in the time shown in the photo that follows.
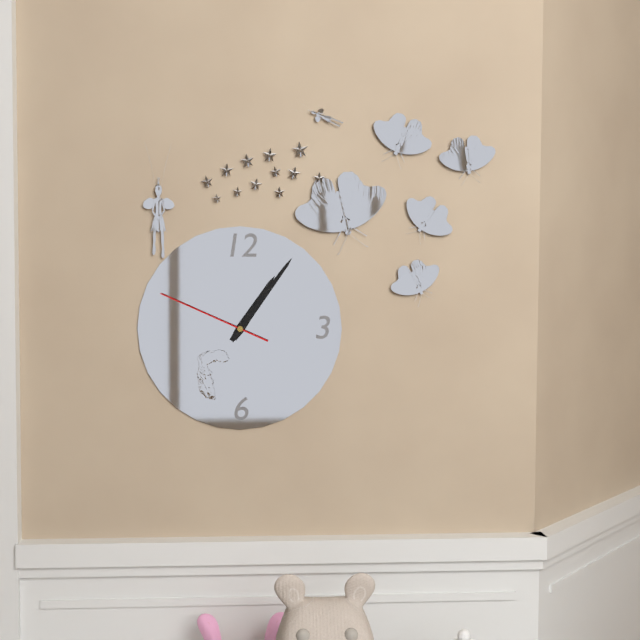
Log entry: 1:06:49
